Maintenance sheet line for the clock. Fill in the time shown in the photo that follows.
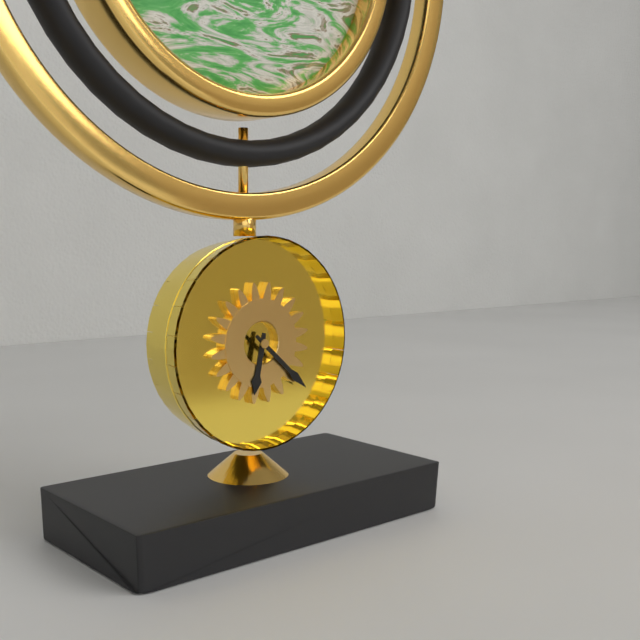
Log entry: 6:22
